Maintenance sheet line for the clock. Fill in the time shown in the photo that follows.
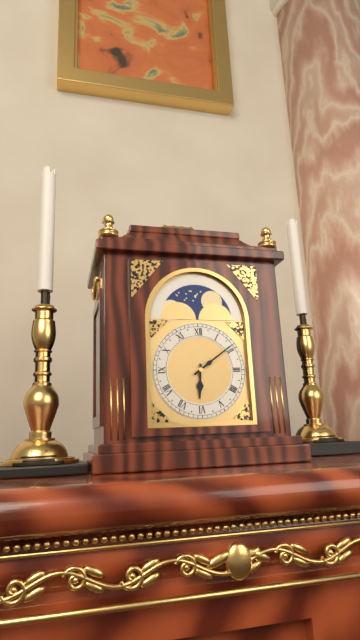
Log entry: 6:09
